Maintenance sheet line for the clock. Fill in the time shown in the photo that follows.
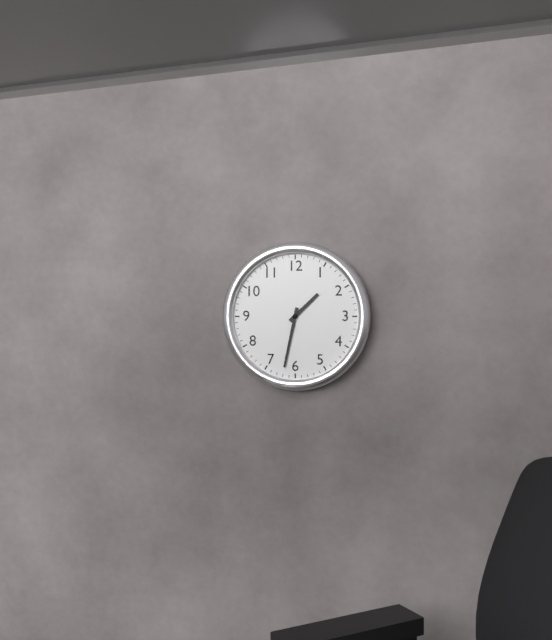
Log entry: 1:32
